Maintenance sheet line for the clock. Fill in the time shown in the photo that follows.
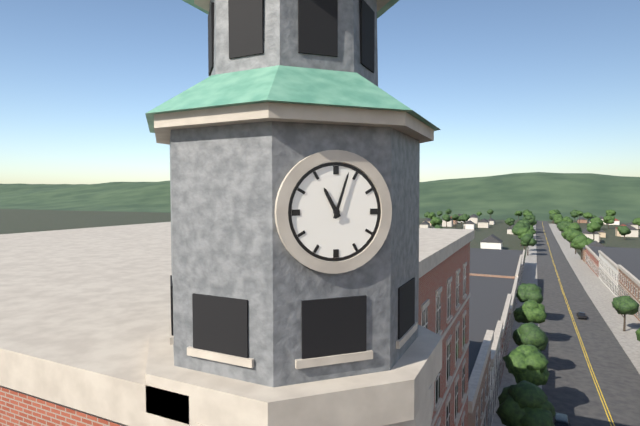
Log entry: 11:03
